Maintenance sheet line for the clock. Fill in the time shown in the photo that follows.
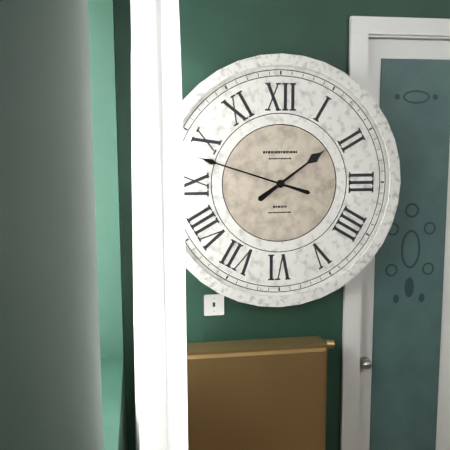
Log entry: 1:48
